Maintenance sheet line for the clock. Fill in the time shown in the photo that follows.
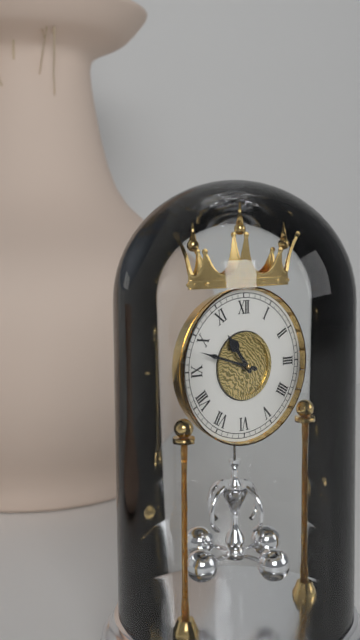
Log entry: 10:48
